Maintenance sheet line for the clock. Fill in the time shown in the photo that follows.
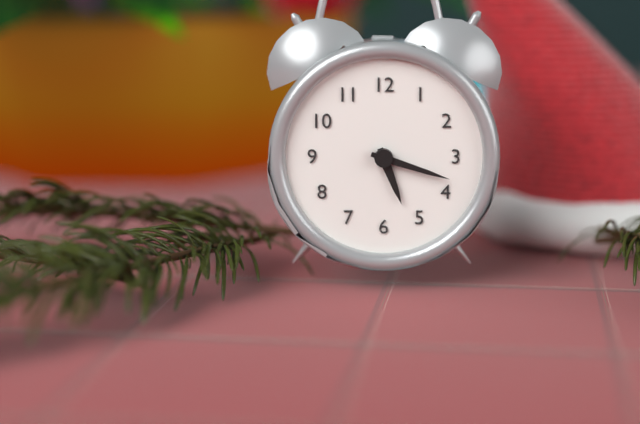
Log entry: 5:18
